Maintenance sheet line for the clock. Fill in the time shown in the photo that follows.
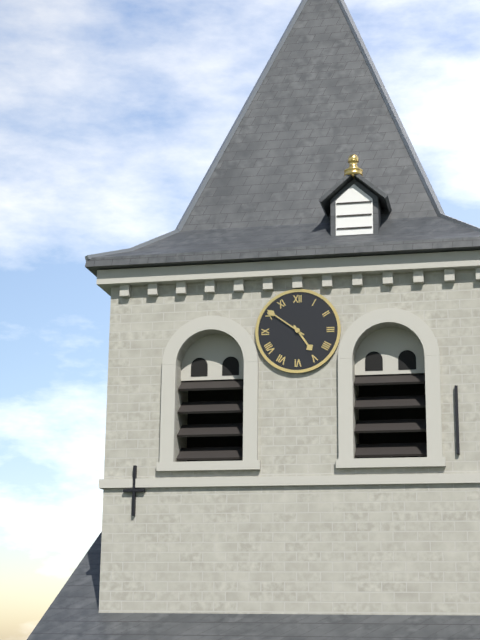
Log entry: 4:51
